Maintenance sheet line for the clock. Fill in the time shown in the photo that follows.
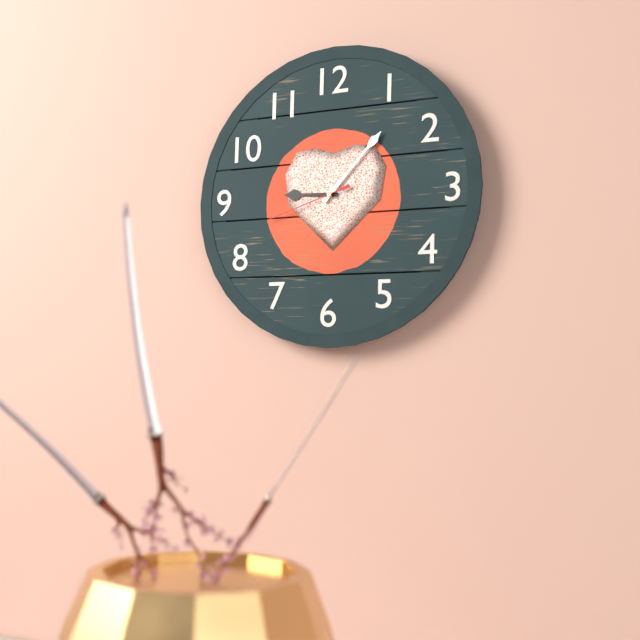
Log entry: 9:07:42
